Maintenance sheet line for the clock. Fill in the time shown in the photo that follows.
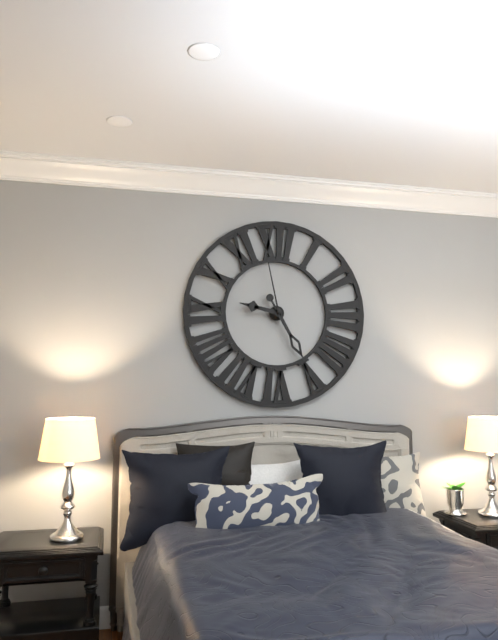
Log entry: 9:25:58
